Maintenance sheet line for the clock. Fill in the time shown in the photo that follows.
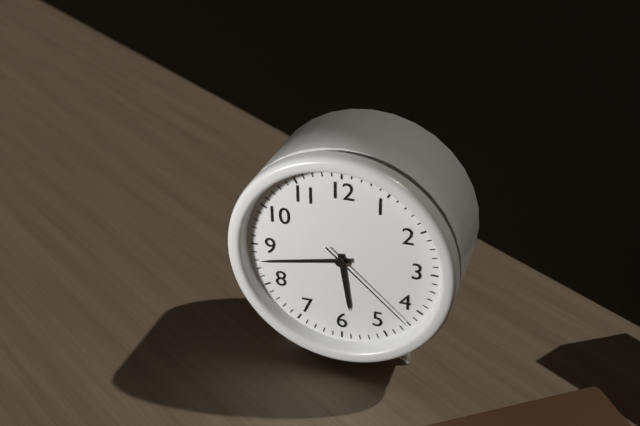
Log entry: 5:43:22
